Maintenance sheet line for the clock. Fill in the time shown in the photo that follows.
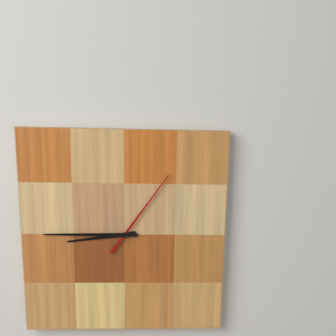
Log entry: 8:45:06
